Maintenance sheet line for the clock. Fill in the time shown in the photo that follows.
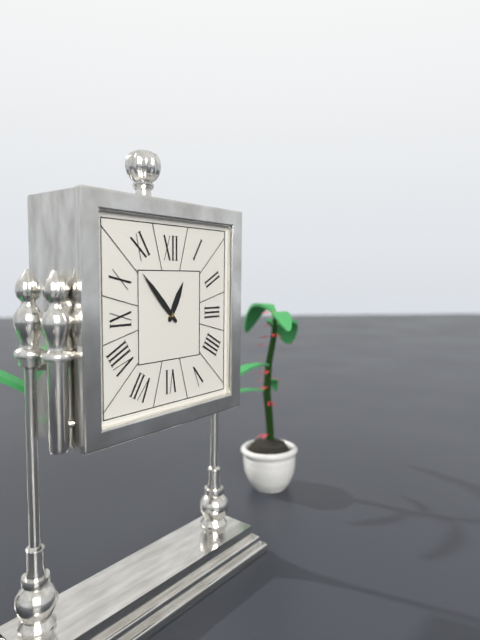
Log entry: 12:53
